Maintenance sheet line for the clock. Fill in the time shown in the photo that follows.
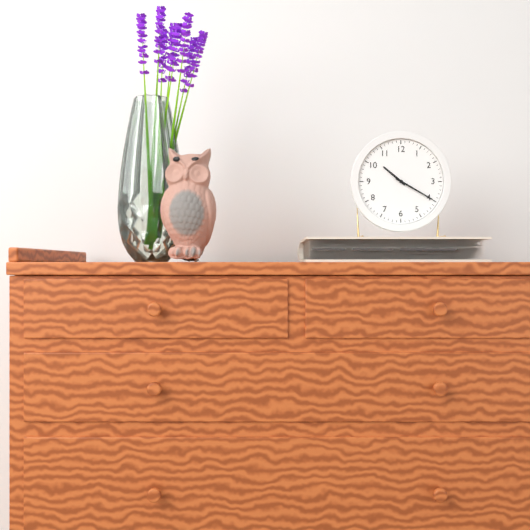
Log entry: 10:20
